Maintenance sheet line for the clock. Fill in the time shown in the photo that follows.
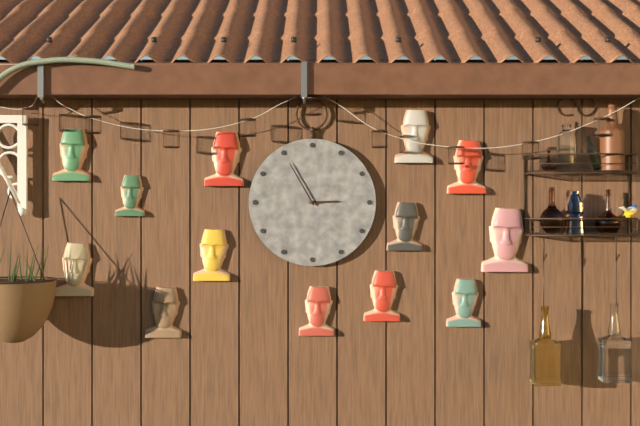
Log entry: 2:55
